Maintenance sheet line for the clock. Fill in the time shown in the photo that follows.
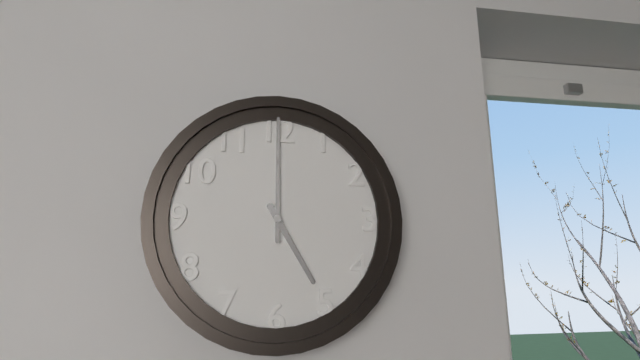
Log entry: 5:00
